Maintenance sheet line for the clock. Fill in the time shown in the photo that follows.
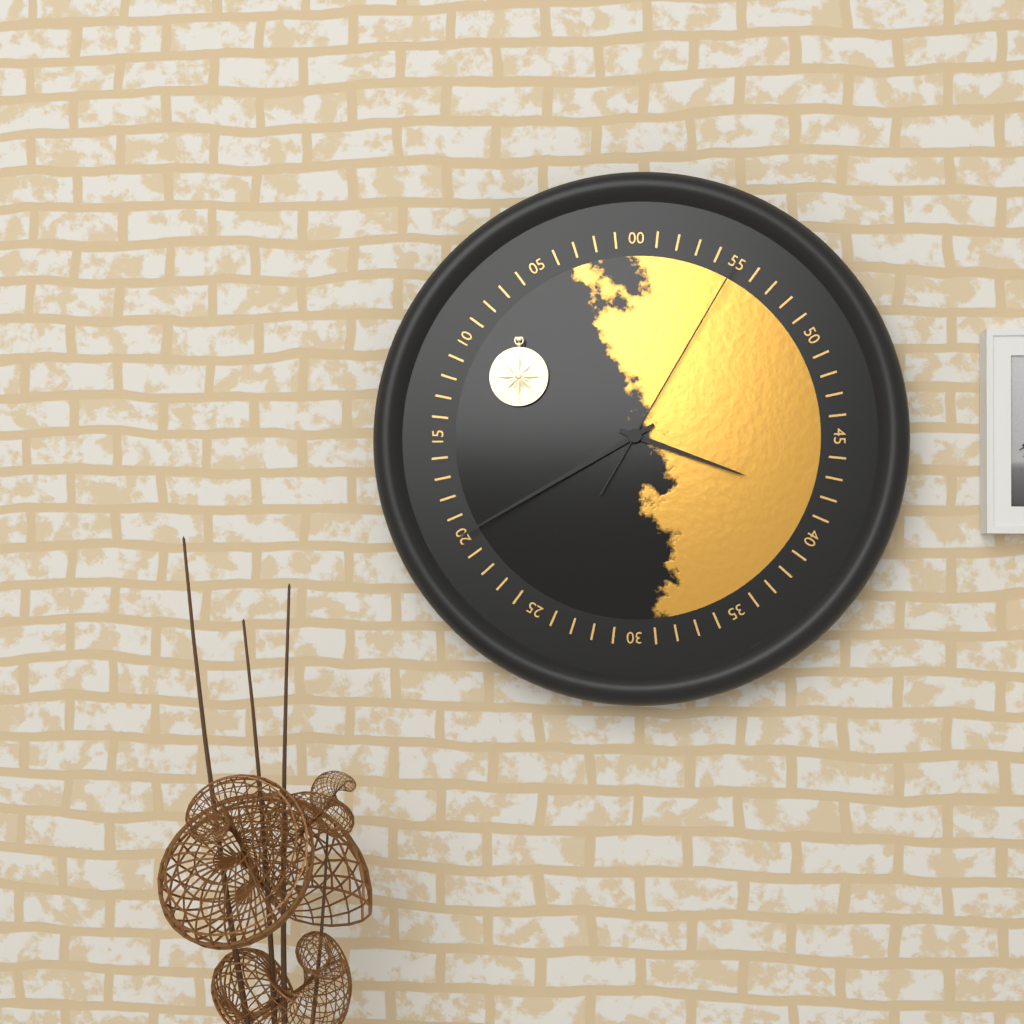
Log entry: 3:40:05
